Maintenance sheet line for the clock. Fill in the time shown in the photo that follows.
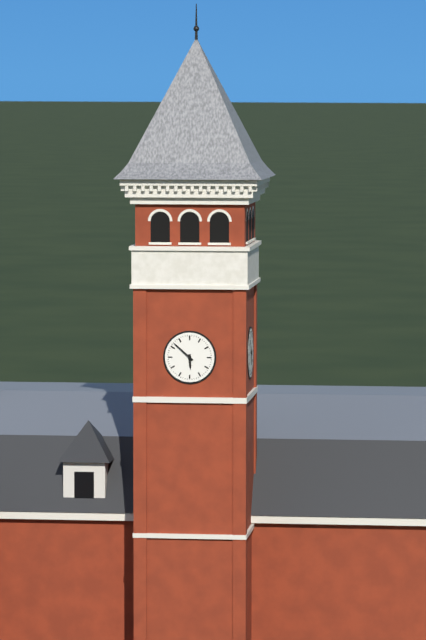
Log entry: 5:52
